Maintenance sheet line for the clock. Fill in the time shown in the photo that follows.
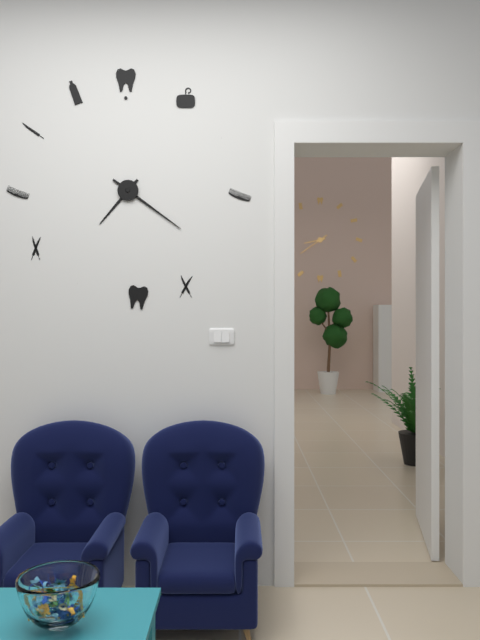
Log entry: 7:21
